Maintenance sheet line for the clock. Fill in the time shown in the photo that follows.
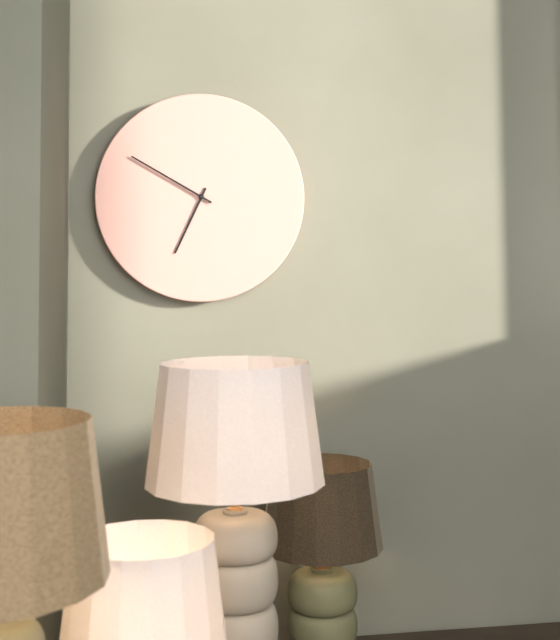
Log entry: 6:50
